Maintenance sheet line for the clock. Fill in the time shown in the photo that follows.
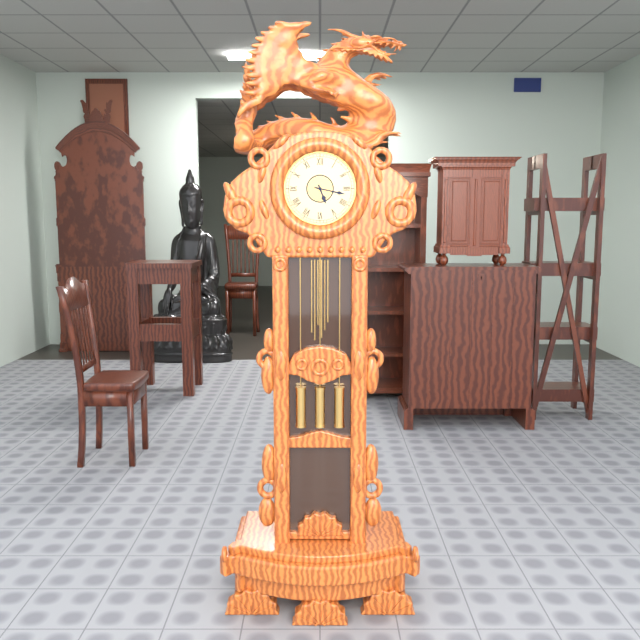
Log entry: 5:17
